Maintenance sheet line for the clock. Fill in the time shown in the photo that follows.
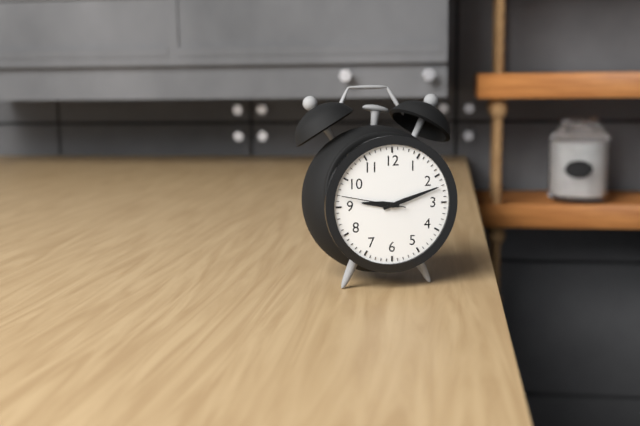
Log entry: 9:12:47
